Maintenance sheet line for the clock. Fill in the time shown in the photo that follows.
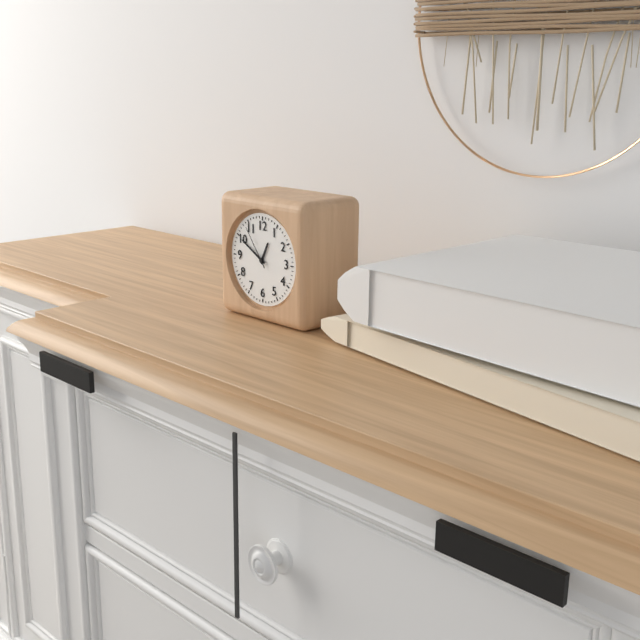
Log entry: 12:50
